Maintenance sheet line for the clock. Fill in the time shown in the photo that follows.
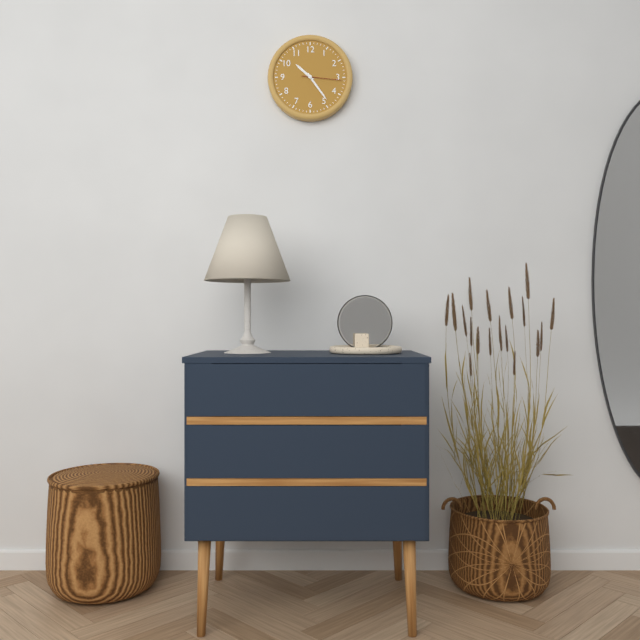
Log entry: 10:24
